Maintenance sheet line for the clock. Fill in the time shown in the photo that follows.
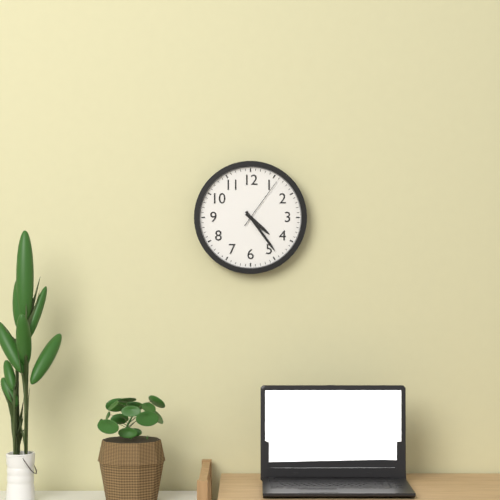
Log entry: 4:24:06
